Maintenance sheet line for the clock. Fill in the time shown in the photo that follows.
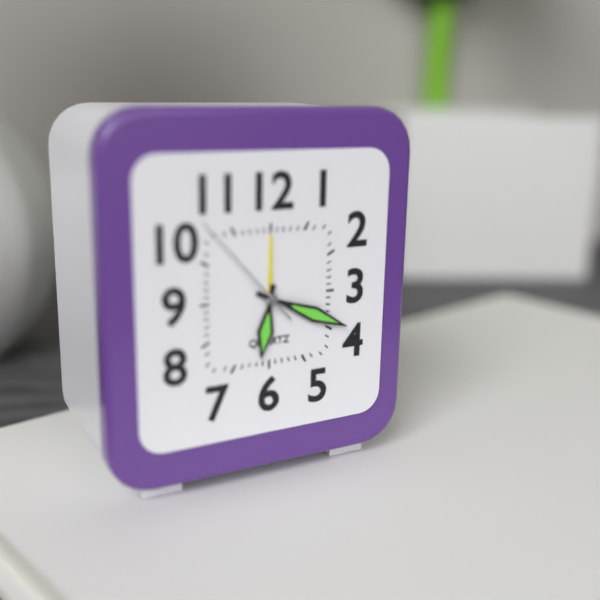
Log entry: 6:19:53
